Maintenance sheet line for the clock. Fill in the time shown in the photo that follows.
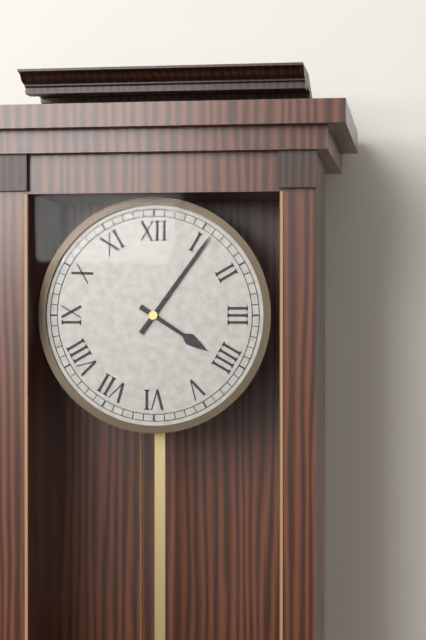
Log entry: 4:06
